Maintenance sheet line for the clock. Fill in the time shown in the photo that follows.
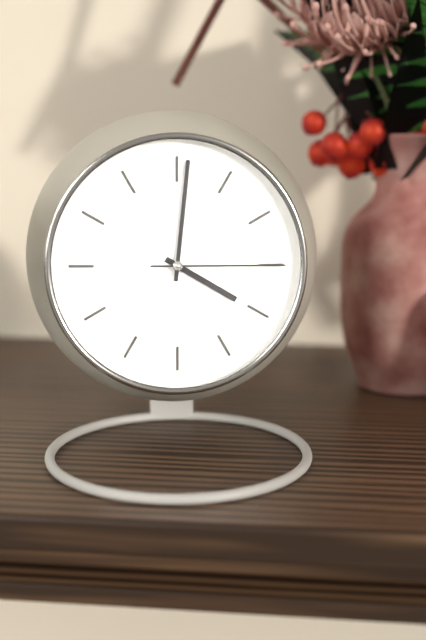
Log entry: 4:01:15
